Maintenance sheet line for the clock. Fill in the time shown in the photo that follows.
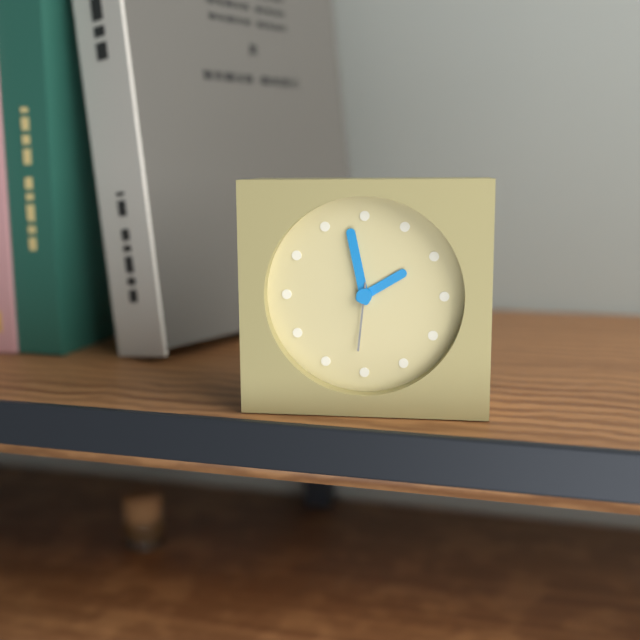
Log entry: 1:58:31
